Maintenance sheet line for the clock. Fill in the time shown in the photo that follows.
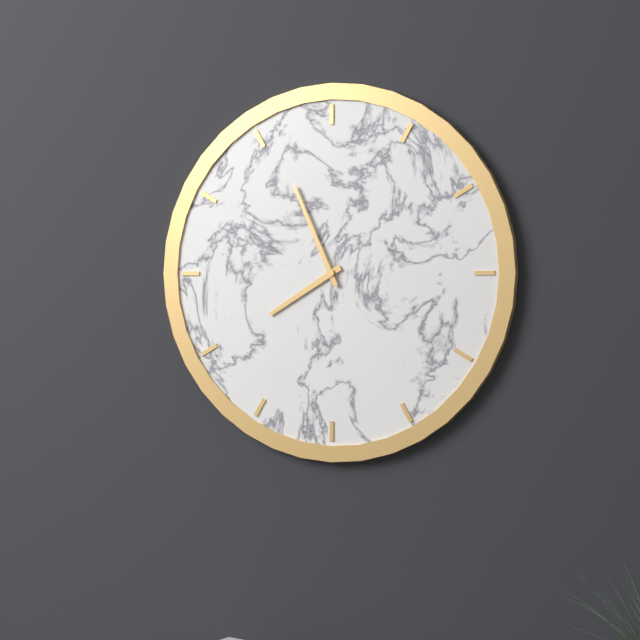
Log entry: 7:56
